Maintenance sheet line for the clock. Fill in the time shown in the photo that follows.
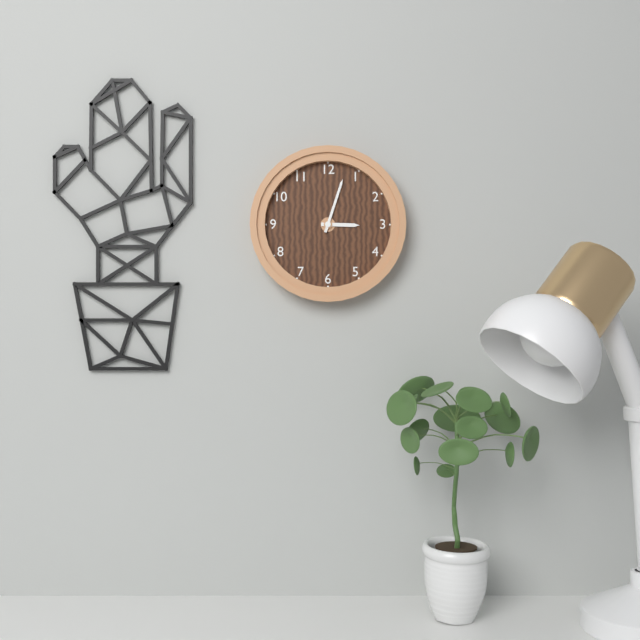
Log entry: 3:03
